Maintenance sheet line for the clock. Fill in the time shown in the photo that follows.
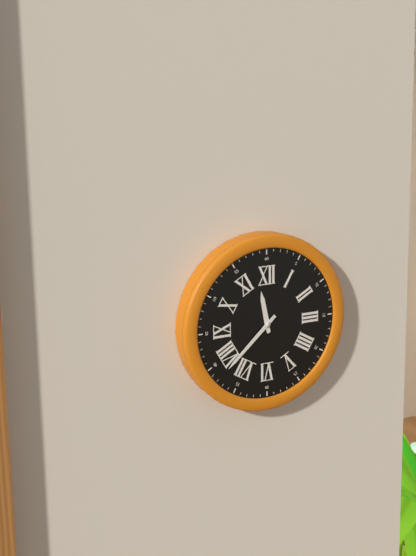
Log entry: 11:38
